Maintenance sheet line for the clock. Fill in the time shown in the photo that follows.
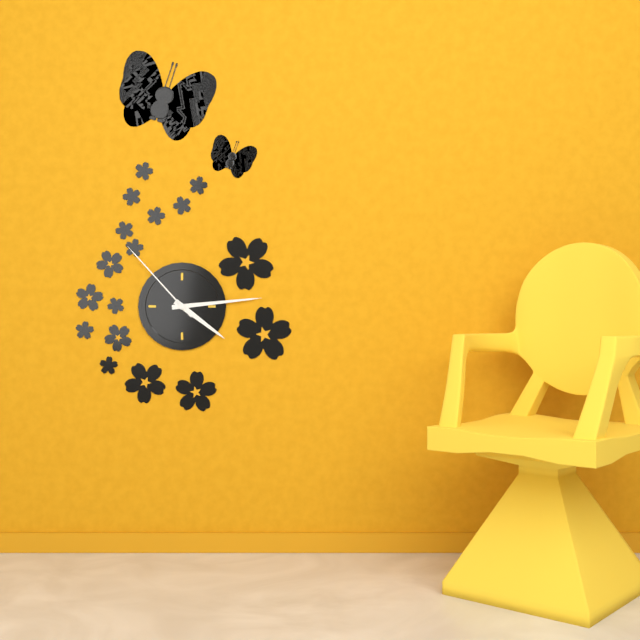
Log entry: 4:14:53
